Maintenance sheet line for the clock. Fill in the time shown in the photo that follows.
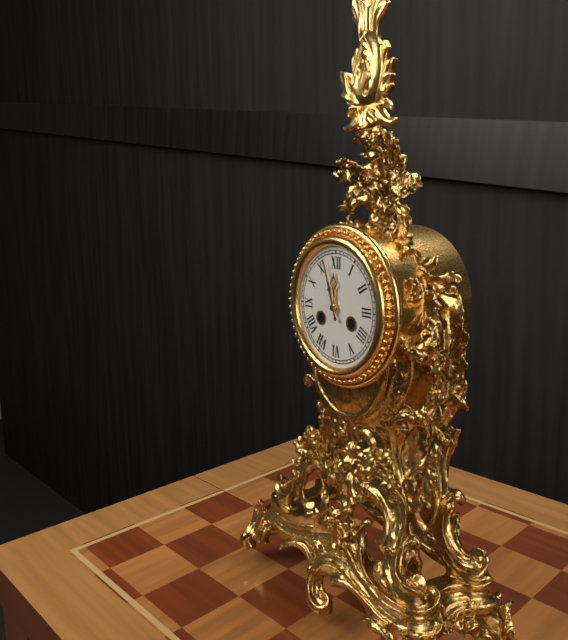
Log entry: 11:57
